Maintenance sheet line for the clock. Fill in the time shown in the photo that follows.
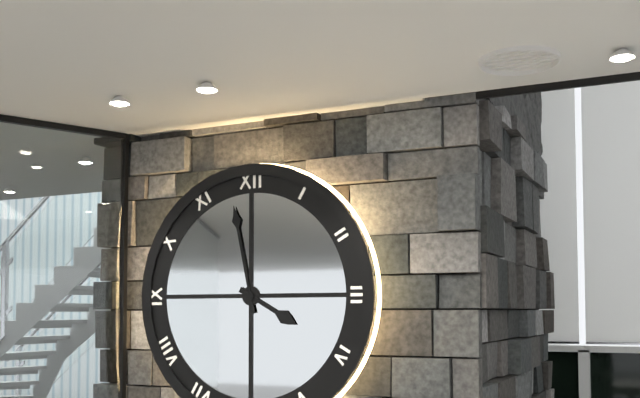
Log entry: 3:58
